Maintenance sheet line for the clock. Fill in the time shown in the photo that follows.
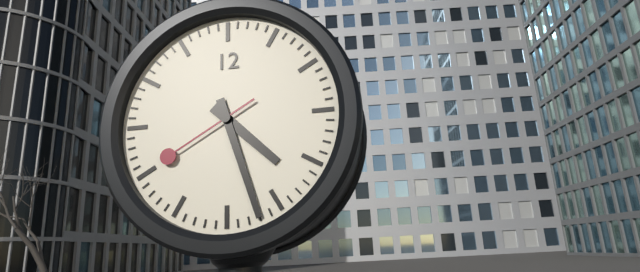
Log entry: 4:27:40
